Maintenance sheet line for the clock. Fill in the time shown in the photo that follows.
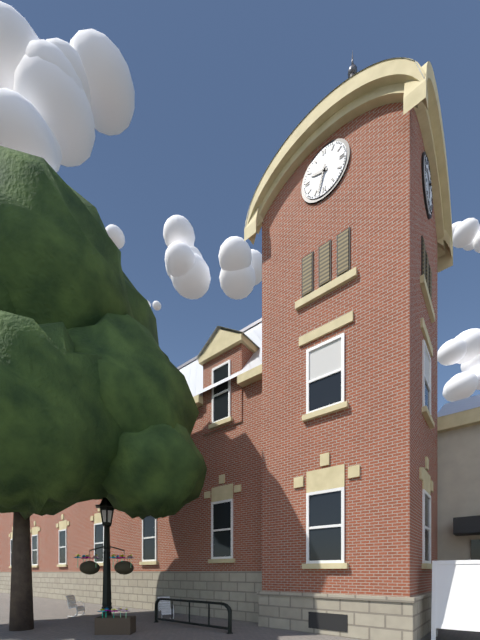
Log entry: 9:33
